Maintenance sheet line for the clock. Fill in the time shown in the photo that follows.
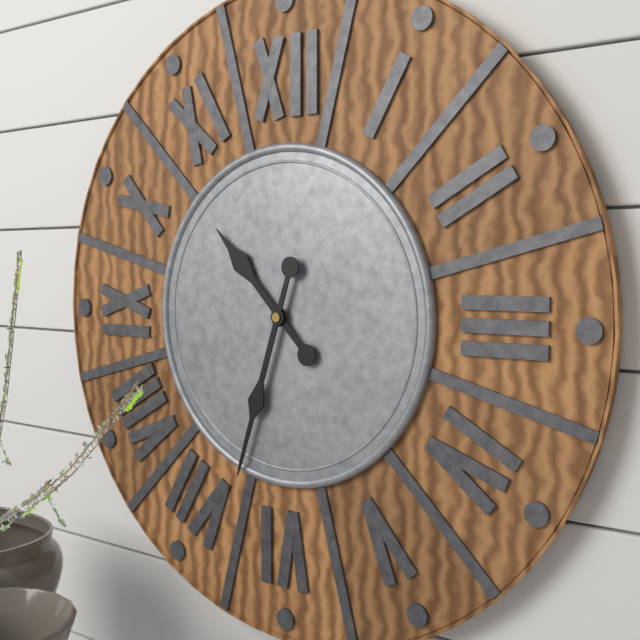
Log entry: 10:33
